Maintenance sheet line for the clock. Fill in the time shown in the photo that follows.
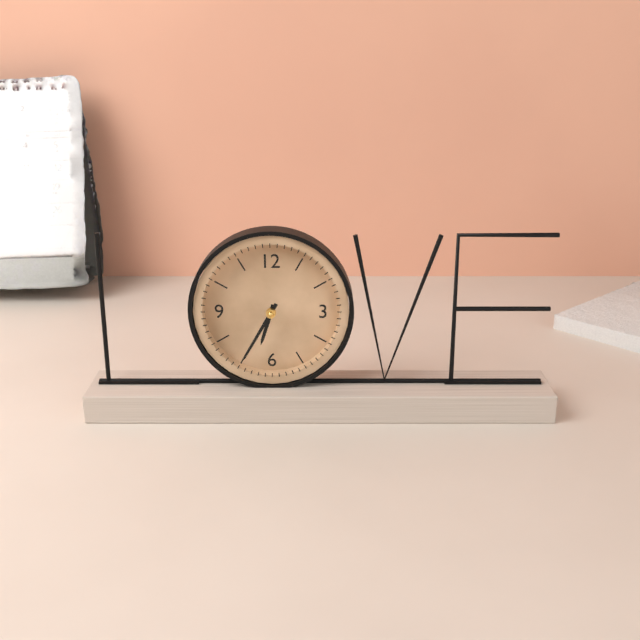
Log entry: 6:35
